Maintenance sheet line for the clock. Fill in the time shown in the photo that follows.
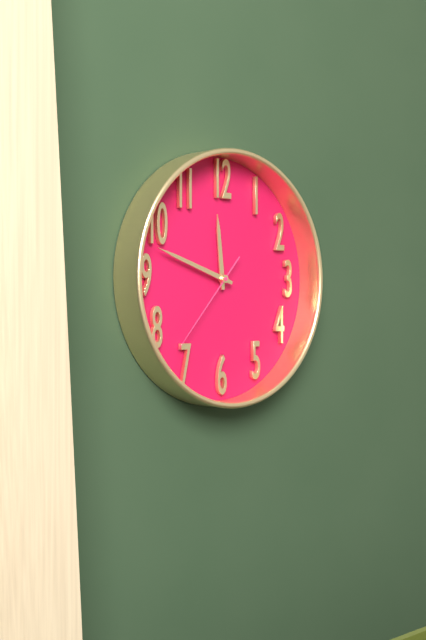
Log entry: 11:48:37
